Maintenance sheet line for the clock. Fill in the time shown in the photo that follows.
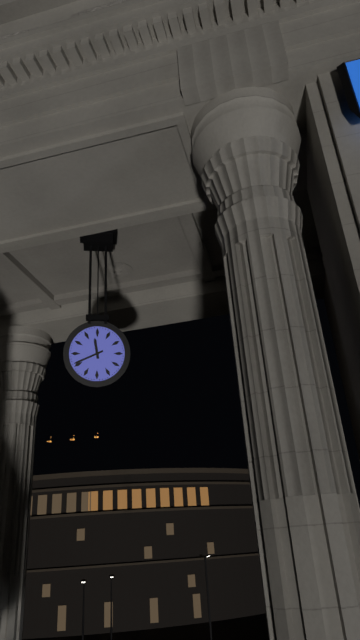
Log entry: 11:41
